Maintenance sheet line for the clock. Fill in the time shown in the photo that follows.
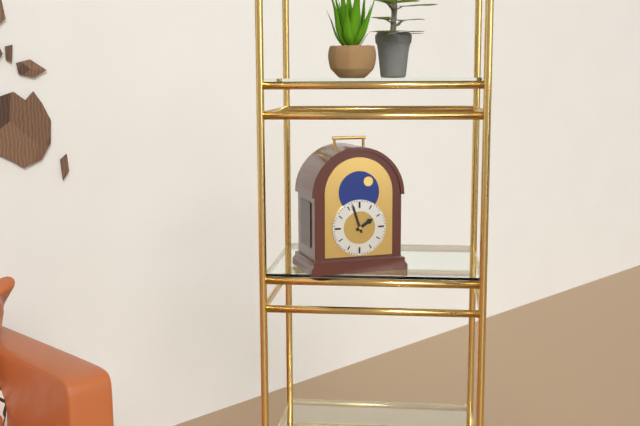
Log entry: 1:57
